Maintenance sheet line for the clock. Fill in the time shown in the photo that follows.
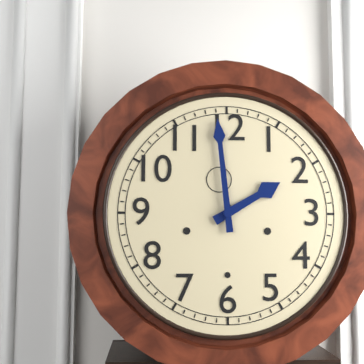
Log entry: 1:59
